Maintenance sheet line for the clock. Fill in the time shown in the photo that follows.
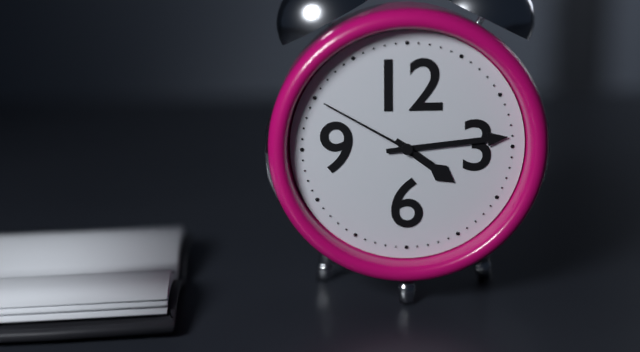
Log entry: 4:14:50
